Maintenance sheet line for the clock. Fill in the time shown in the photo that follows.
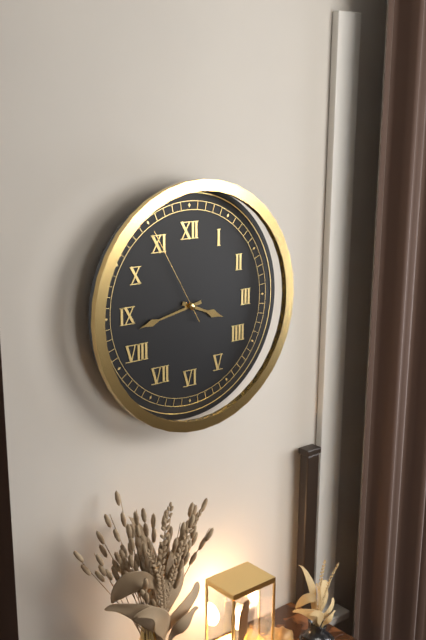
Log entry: 3:43:55
